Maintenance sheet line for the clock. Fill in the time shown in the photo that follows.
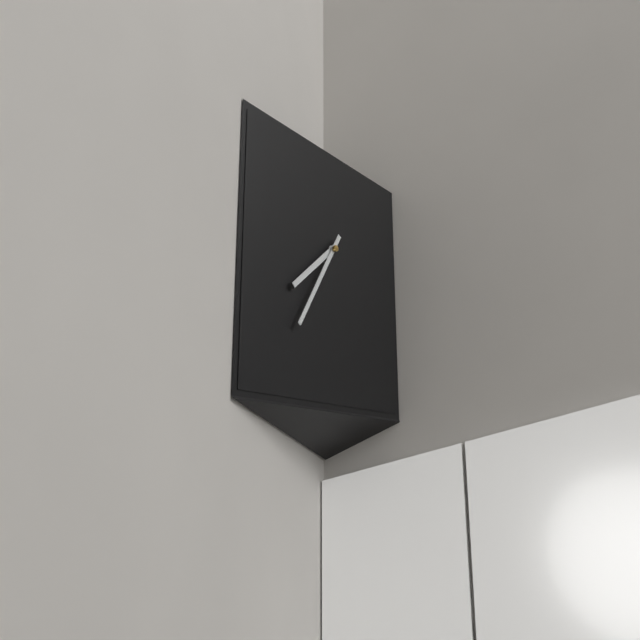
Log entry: 7:35
